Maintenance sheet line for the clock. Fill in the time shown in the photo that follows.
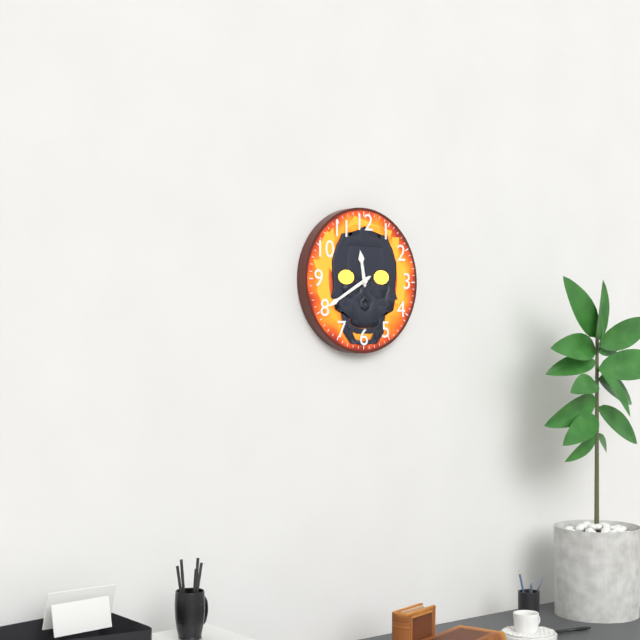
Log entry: 11:40
